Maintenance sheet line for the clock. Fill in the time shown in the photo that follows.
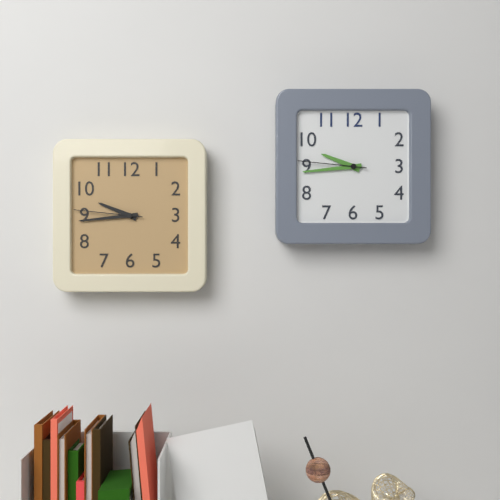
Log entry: 9:44:46
